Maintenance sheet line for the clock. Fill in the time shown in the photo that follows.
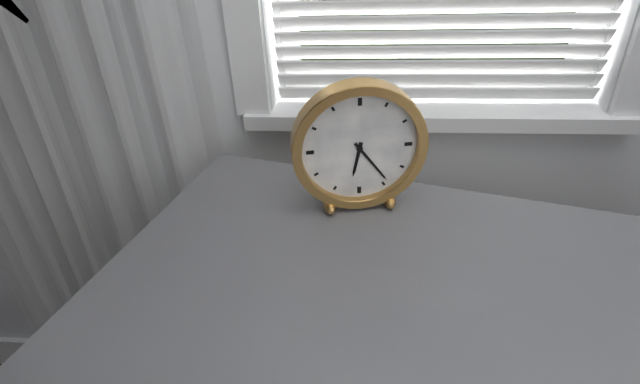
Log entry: 6:24
